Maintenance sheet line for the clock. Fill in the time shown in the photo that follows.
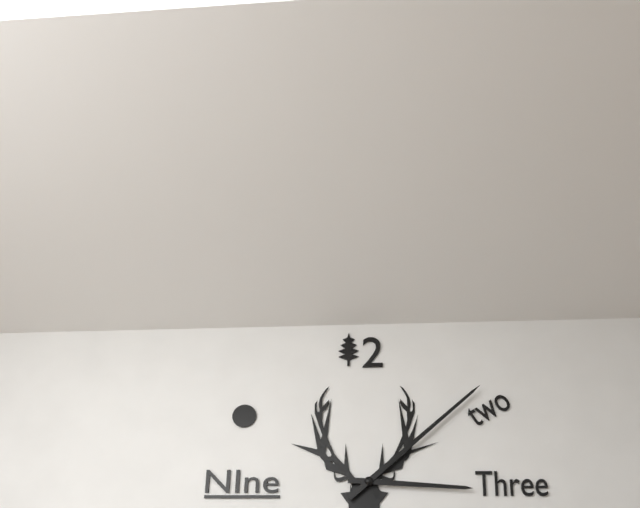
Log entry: 3:08
